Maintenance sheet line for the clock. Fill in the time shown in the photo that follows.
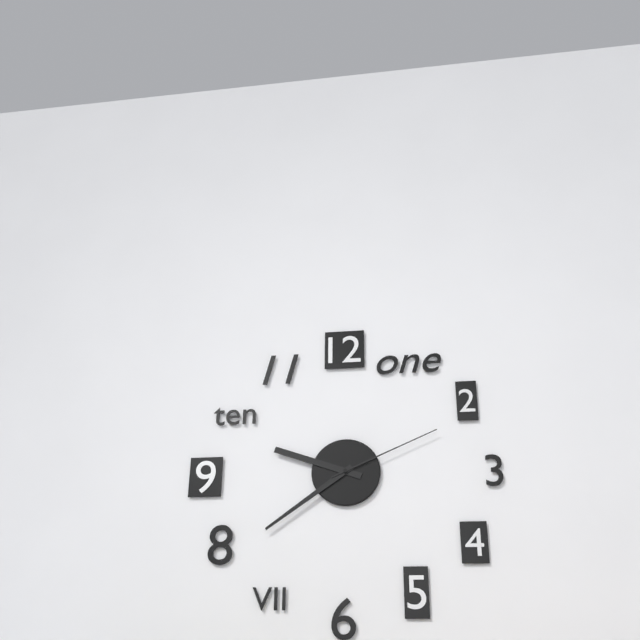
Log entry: 9:39:11
